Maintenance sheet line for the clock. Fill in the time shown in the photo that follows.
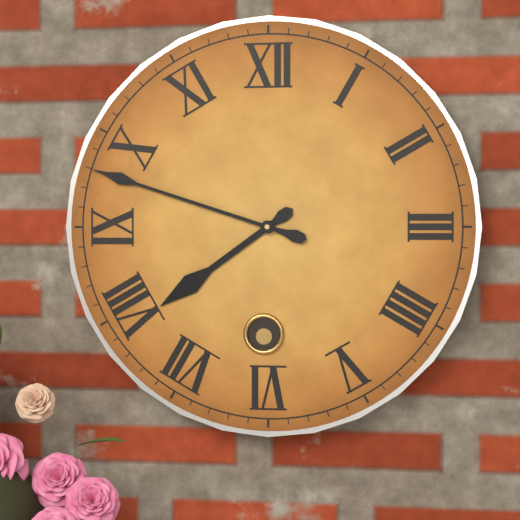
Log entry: 7:48
